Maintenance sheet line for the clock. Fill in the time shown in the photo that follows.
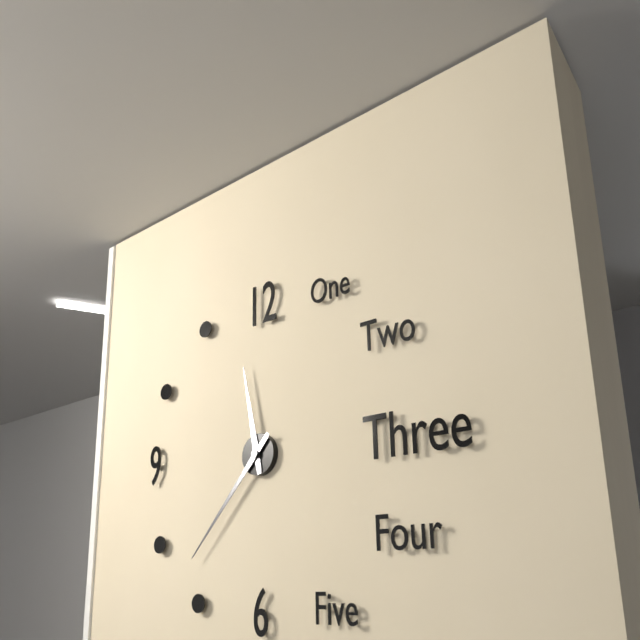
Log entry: 11:37
